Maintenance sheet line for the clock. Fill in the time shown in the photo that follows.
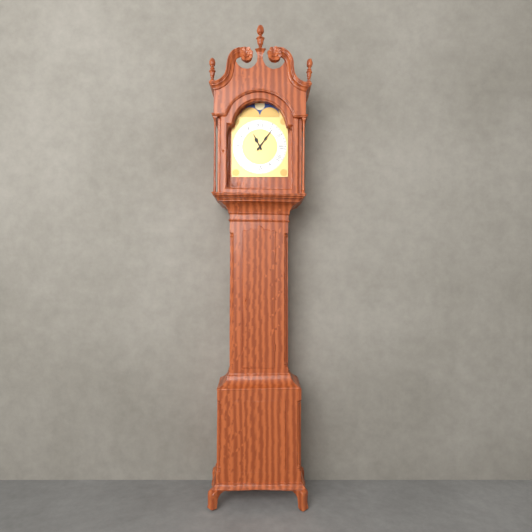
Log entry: 11:06
